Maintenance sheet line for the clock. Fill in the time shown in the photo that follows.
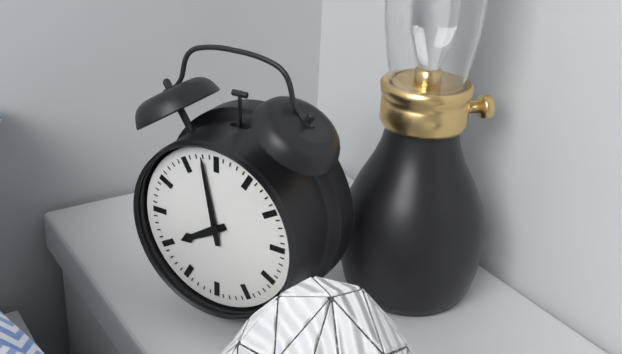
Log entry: 7:58
